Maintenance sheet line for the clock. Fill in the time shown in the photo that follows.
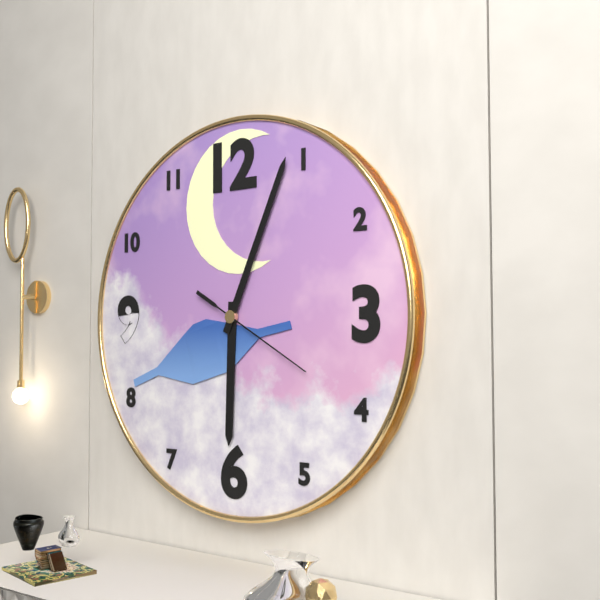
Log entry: 6:04:20
